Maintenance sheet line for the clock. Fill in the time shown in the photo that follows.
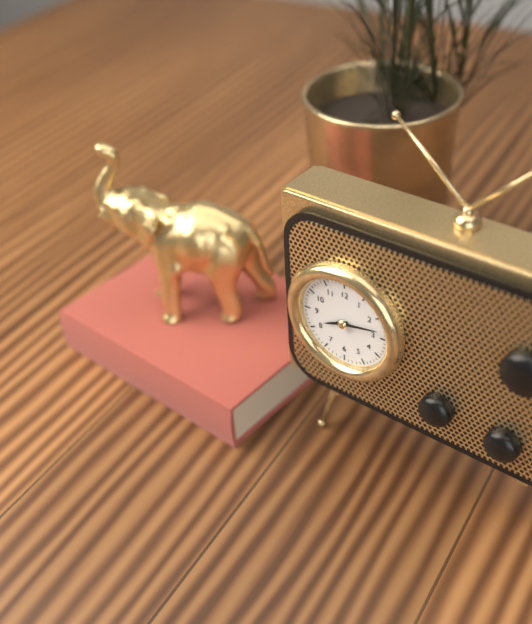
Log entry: 8:13
